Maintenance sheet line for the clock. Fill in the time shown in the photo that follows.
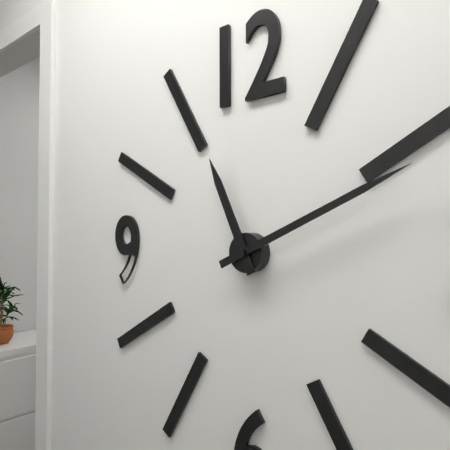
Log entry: 11:11
